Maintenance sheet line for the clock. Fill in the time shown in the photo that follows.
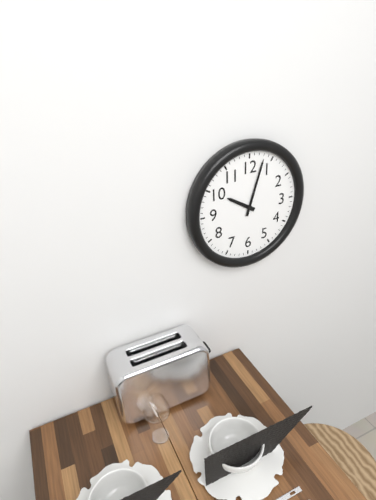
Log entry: 10:03
